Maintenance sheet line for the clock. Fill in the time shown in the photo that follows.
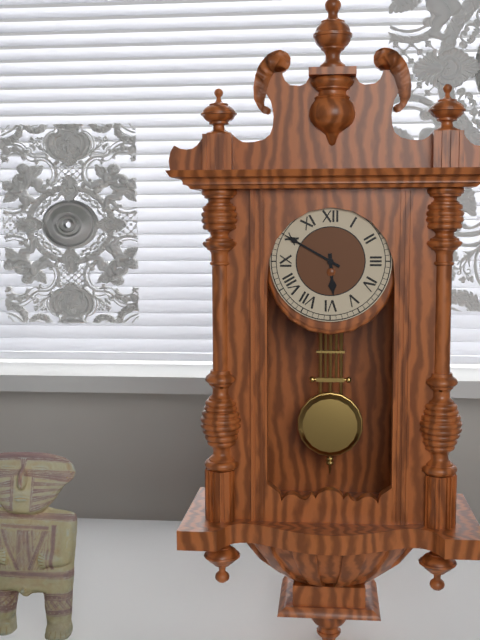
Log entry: 5:50
